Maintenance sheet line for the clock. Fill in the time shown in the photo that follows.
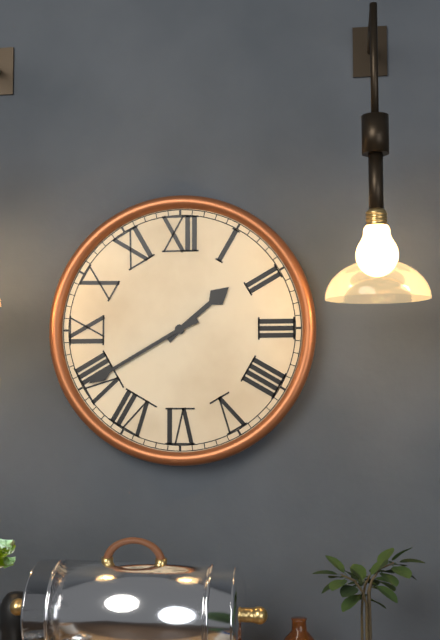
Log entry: 1:40
